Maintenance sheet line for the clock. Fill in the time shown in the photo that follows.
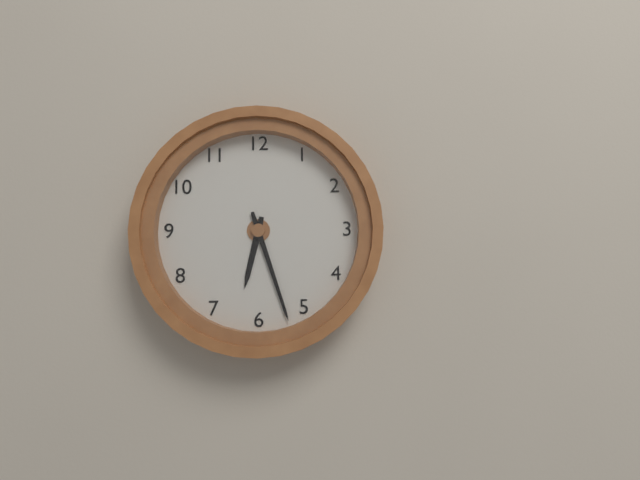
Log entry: 6:27
